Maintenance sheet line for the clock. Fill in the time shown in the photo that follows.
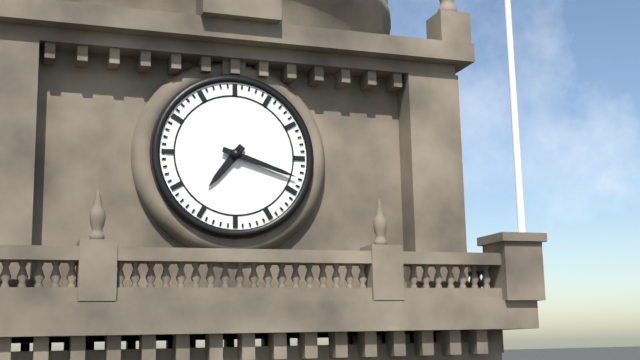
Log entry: 7:18
